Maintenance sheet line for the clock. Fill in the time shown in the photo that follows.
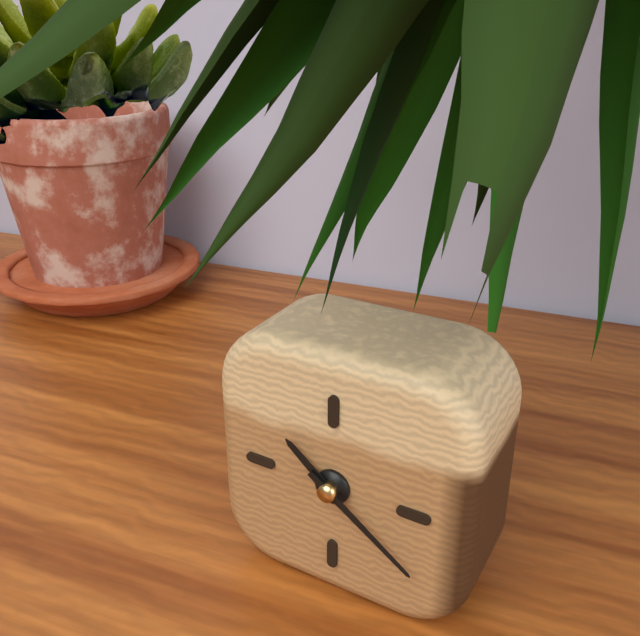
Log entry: 10:21
